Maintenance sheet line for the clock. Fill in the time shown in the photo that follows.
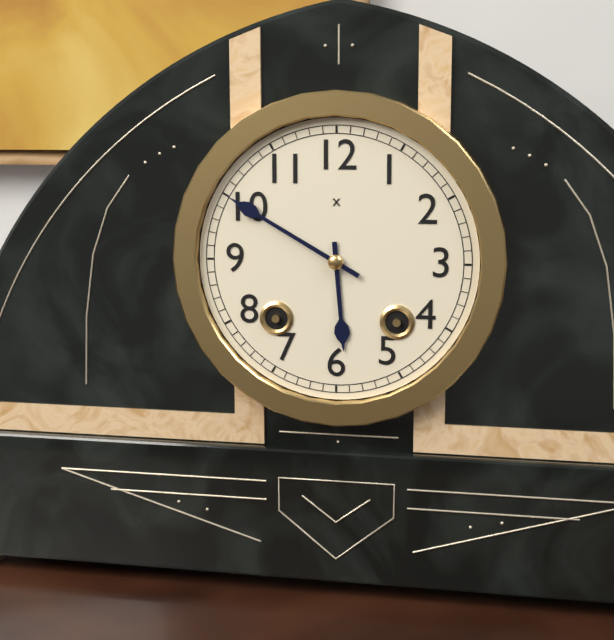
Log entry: 5:50
